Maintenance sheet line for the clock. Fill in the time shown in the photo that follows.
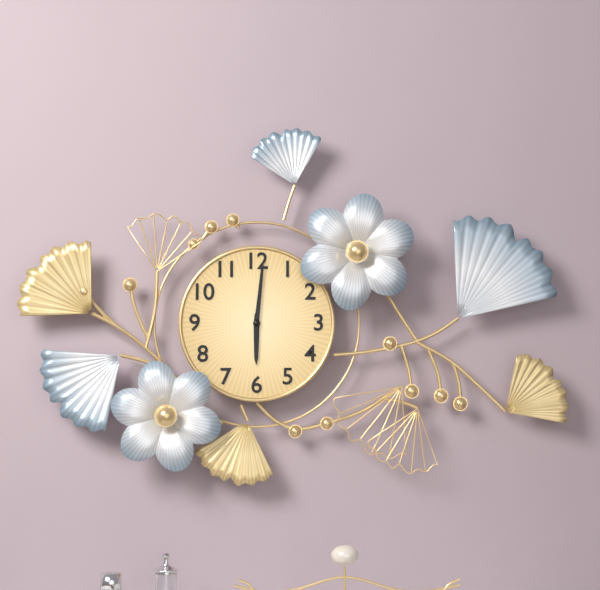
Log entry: 6:01
